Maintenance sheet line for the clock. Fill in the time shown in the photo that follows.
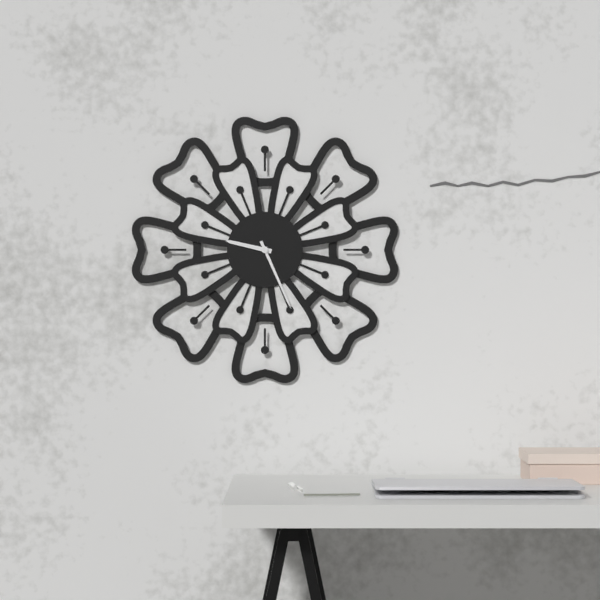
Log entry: 9:26
